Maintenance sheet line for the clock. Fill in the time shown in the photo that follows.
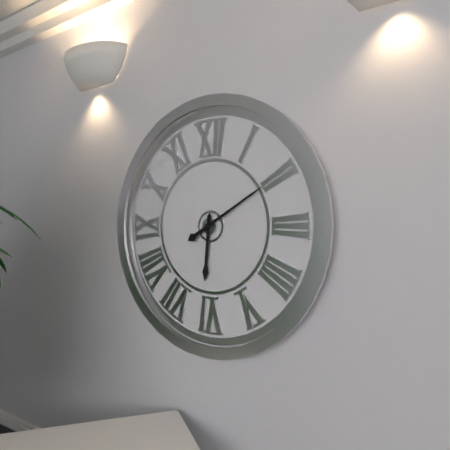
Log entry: 6:10
